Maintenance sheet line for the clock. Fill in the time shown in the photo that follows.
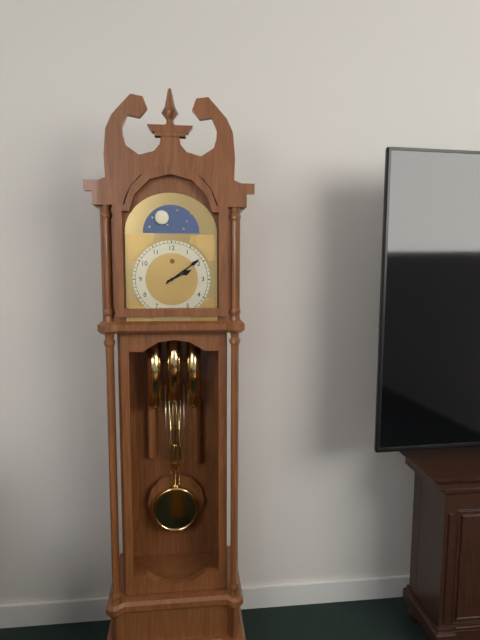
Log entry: 2:09
